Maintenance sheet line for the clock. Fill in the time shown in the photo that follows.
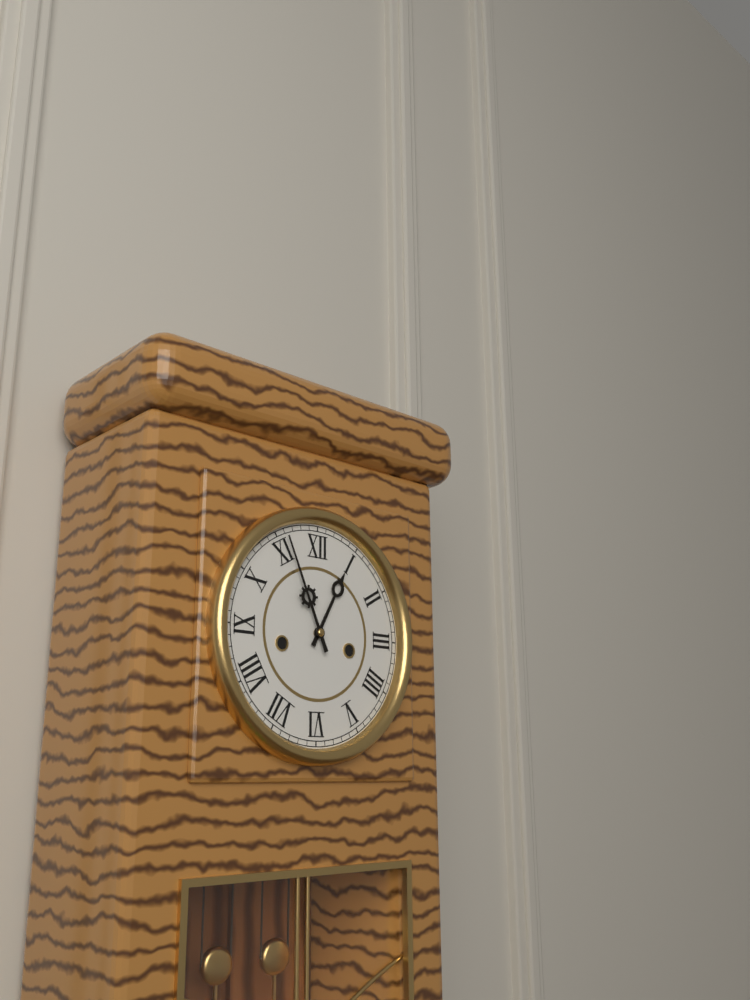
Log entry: 12:56
